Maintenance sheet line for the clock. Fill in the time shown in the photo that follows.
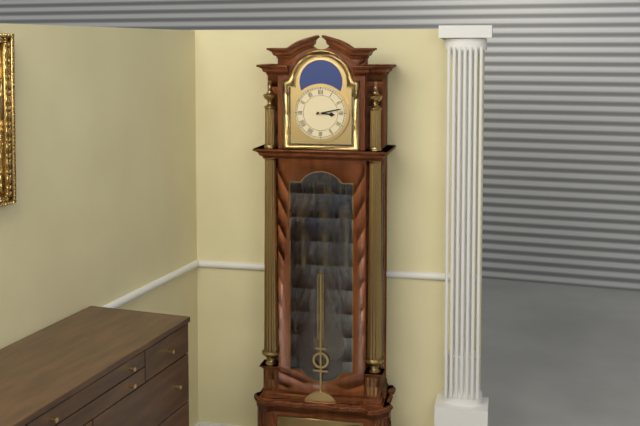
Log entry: 3:13
